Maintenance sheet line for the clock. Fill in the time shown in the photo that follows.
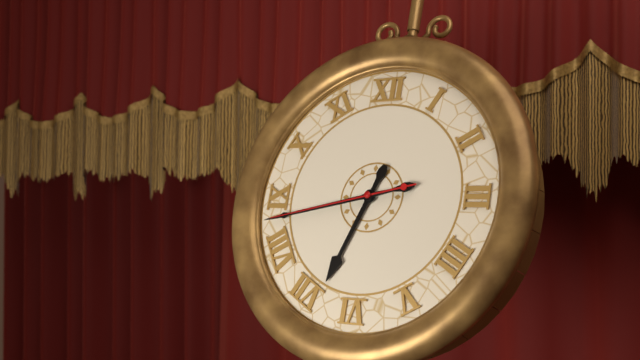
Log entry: 6:43:43
